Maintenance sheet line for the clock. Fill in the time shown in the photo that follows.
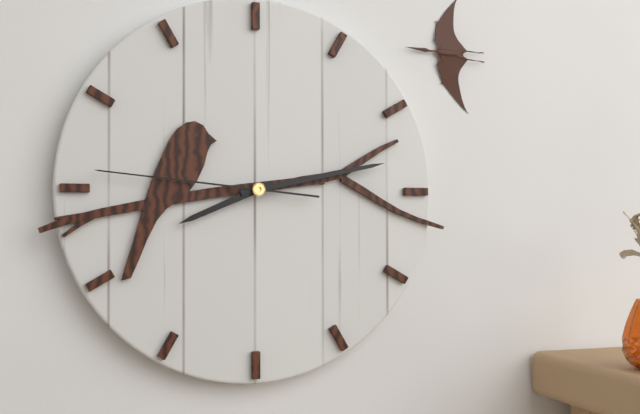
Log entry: 8:13:46
